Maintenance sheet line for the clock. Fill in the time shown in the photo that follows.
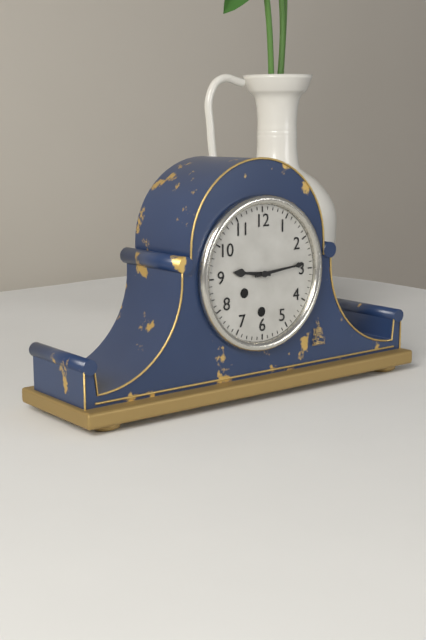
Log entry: 9:14
